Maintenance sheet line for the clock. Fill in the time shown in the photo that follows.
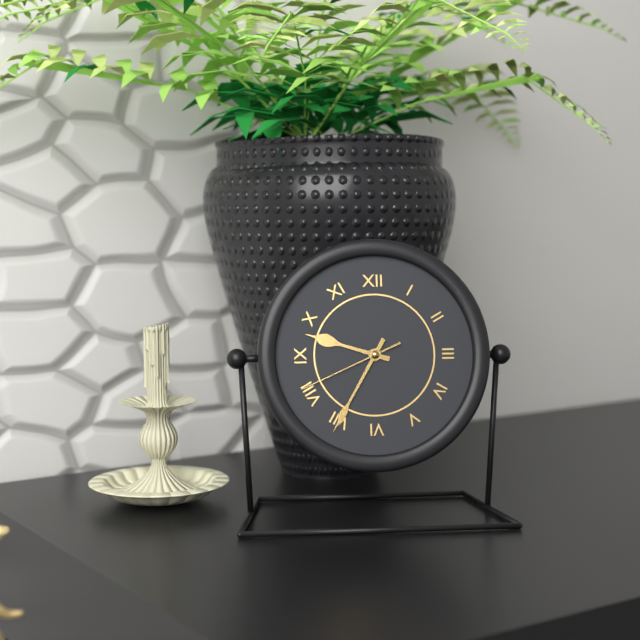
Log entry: 9:35:41
